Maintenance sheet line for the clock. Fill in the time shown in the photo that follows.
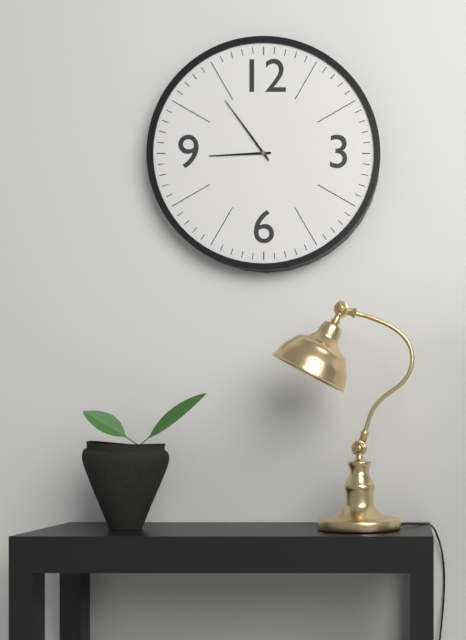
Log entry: 8:54
